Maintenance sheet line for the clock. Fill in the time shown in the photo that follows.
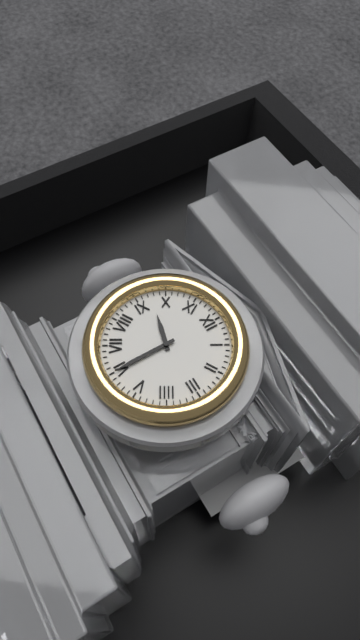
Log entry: 9:30
